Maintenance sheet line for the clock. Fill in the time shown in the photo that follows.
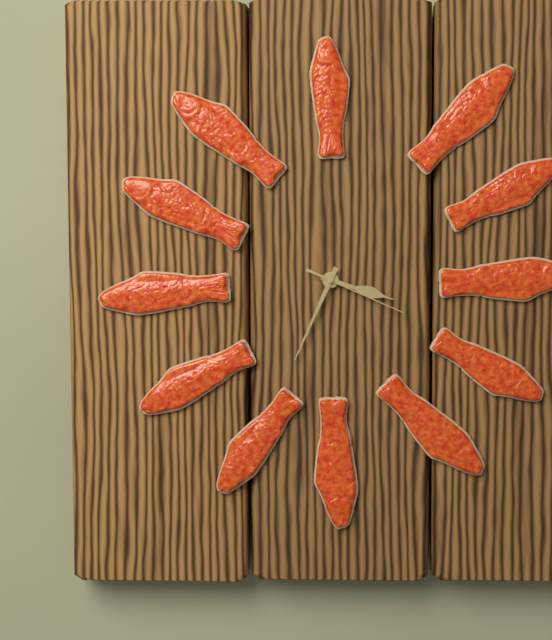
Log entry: 3:34:19
